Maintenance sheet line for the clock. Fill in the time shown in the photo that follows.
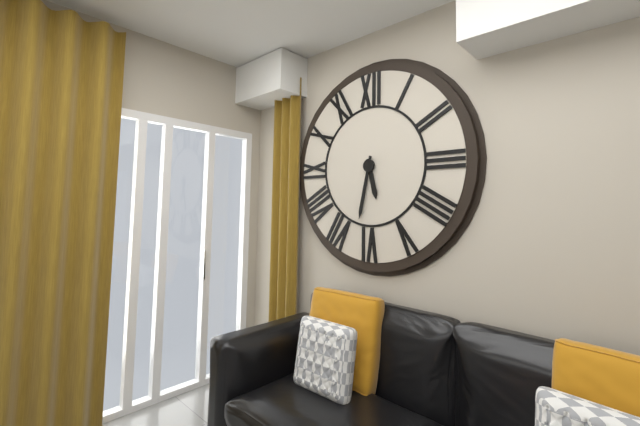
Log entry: 5:32
